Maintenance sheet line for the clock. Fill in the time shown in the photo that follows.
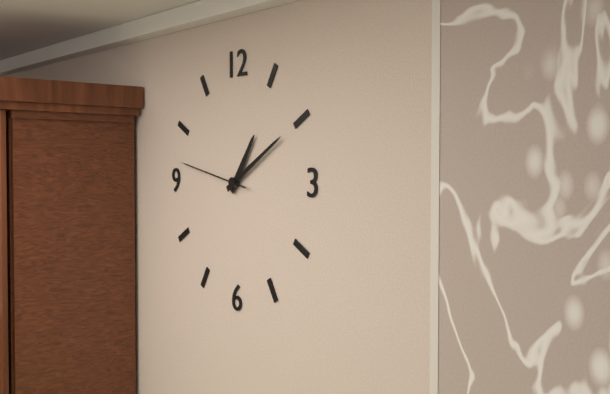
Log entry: 1:10:47
